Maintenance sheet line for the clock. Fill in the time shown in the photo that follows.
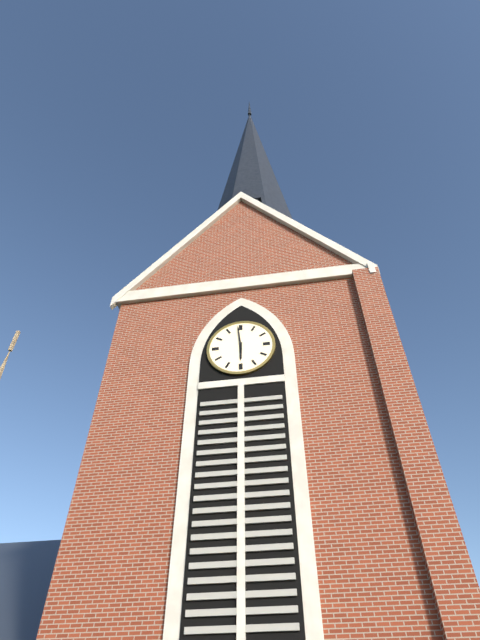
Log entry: 5:59
